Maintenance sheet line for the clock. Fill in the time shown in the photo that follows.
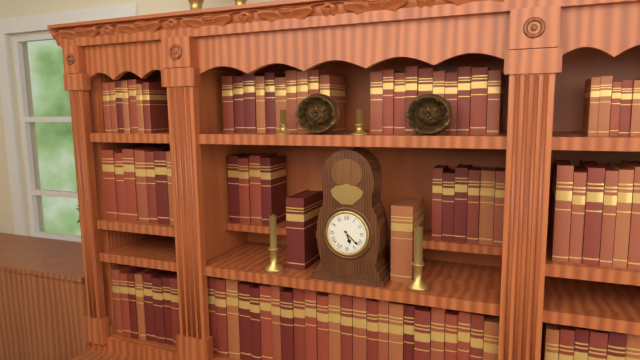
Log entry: 5:22
